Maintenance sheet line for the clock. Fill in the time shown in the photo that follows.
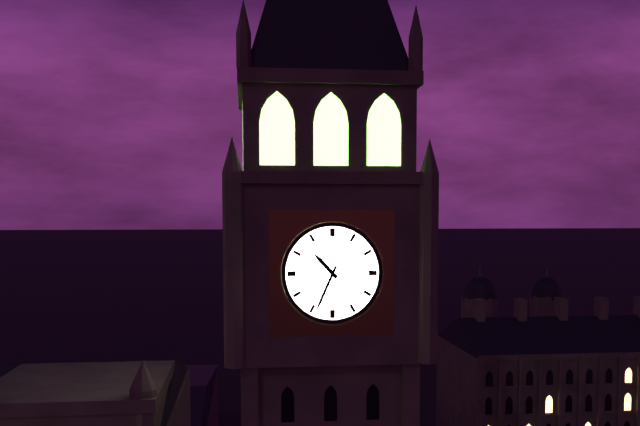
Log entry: 10:34
